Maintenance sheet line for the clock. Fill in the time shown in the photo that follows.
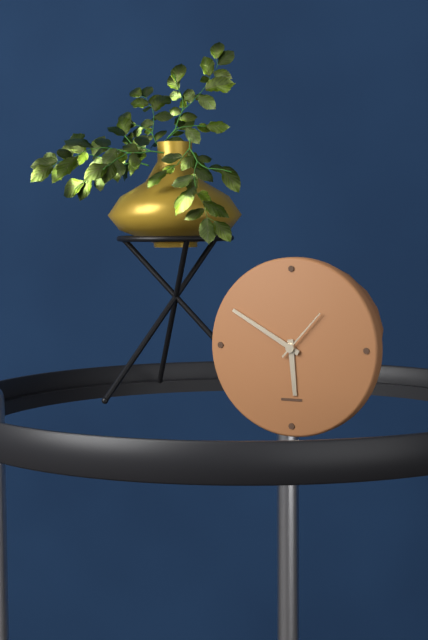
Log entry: 5:50
